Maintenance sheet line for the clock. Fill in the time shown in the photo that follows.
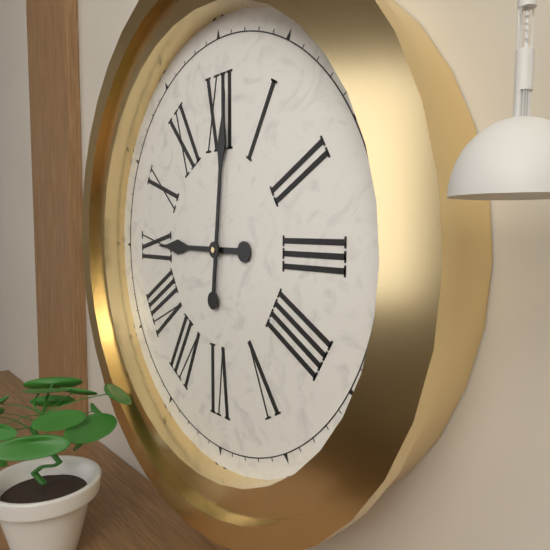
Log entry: 9:01
